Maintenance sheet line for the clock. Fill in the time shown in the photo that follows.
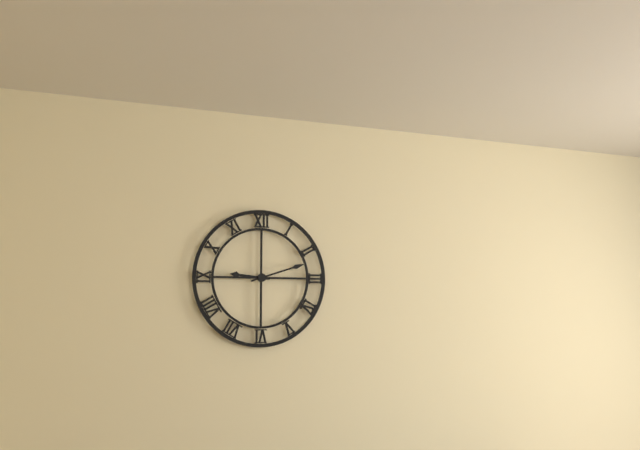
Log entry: 9:12
